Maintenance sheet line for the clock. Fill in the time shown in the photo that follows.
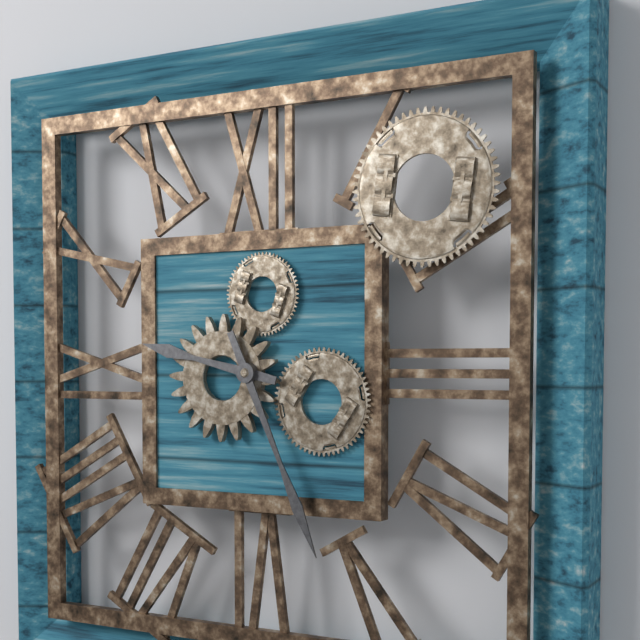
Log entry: 9:26
